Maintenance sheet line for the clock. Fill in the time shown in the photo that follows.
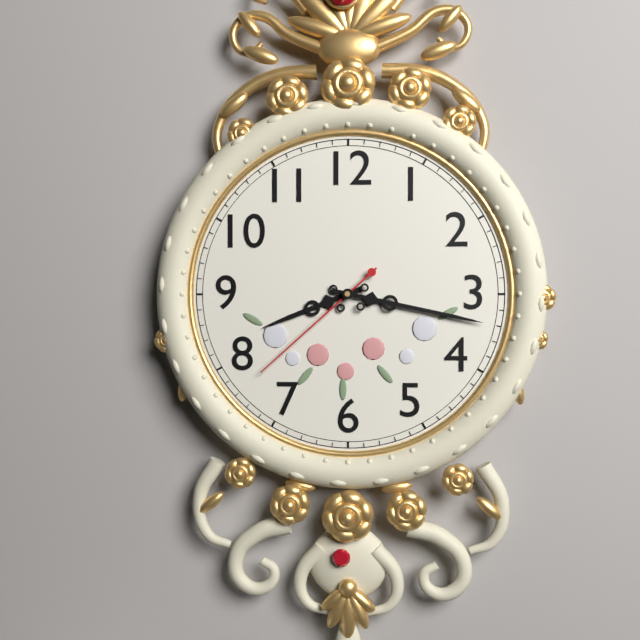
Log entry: 8:17:38
